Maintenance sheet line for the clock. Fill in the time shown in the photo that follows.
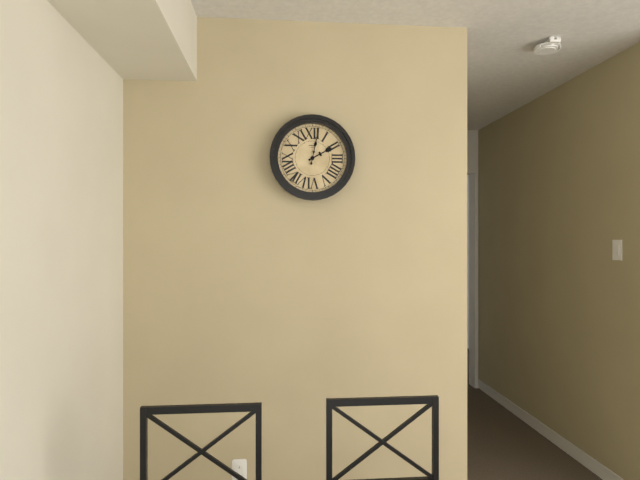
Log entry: 2:02
